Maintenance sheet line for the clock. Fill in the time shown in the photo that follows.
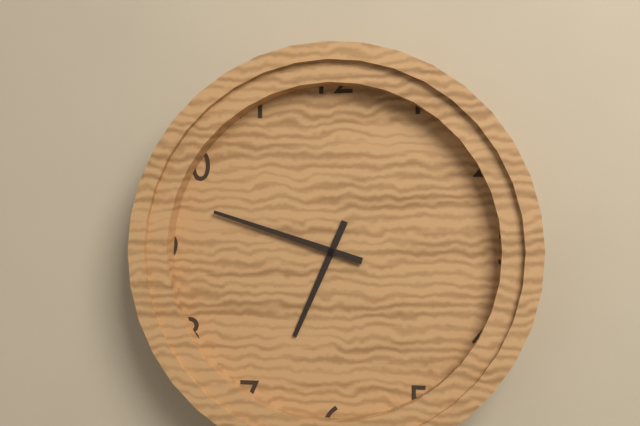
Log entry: 6:48
